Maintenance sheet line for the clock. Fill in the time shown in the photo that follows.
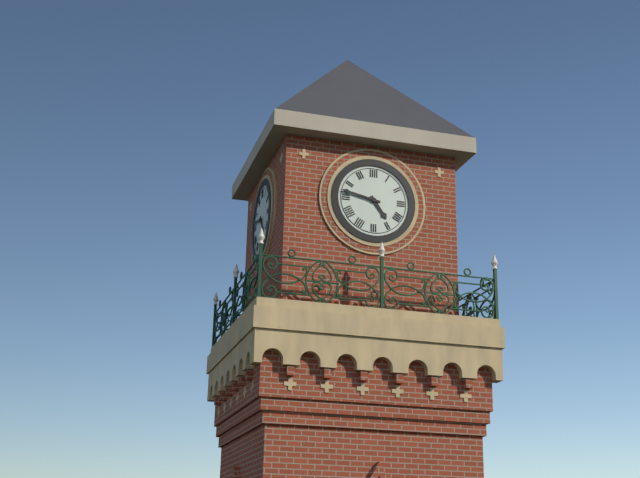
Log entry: 4:47
